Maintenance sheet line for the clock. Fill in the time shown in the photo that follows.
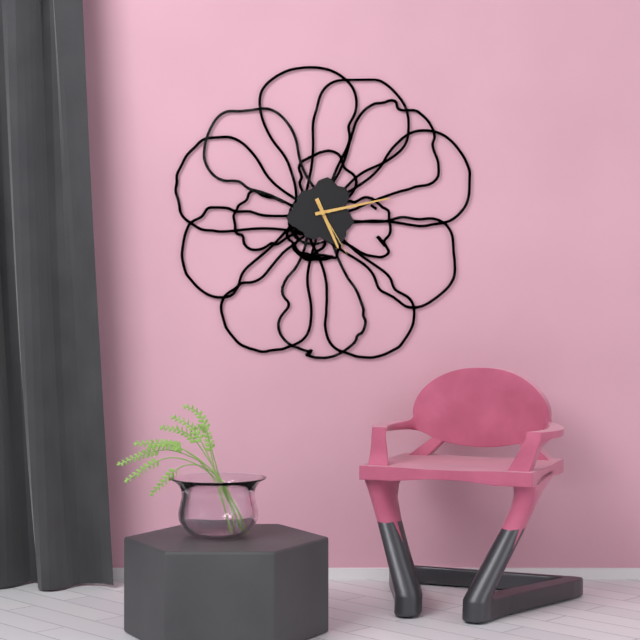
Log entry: 5:13:25
